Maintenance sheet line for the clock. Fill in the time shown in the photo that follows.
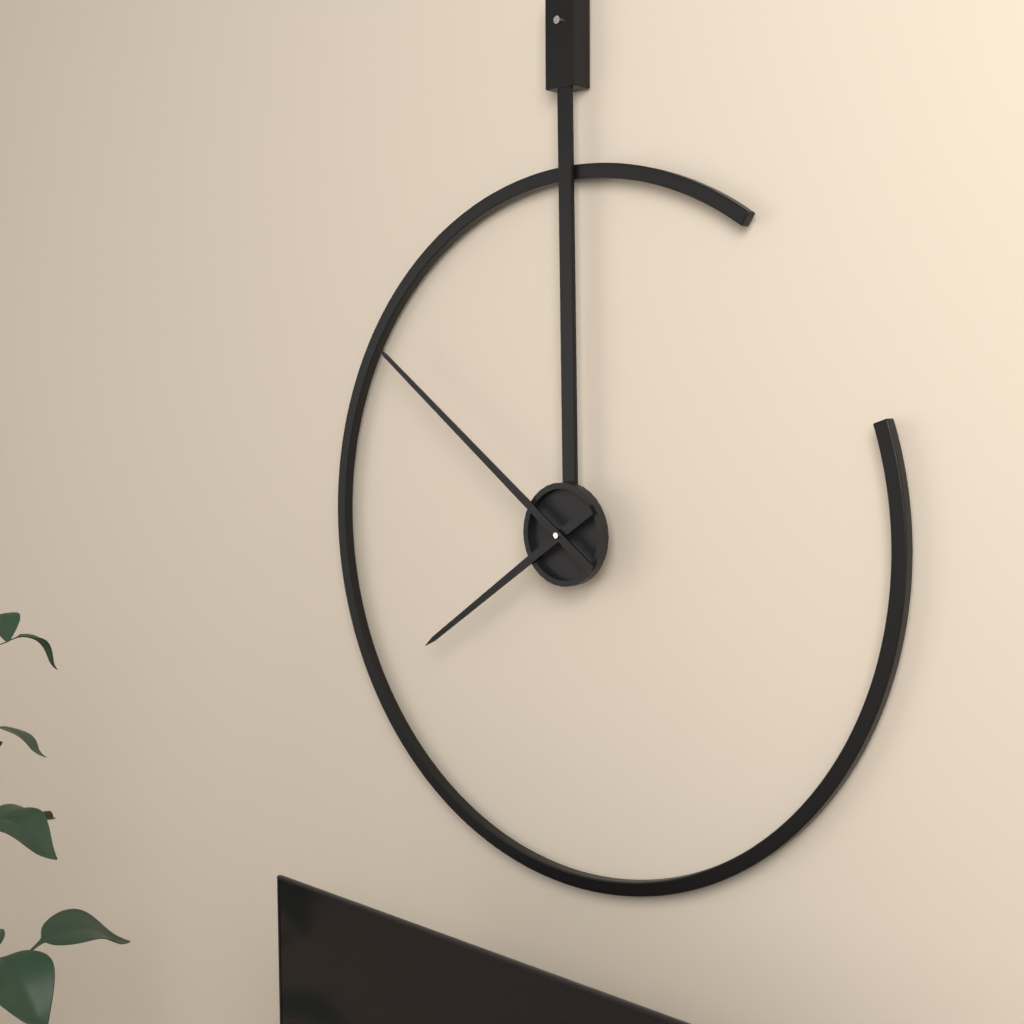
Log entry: 7:51
